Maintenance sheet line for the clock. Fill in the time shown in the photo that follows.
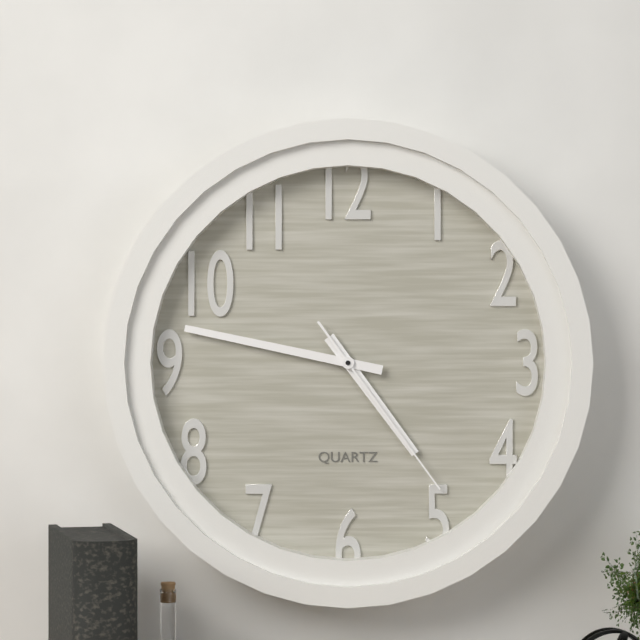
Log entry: 4:47:24
